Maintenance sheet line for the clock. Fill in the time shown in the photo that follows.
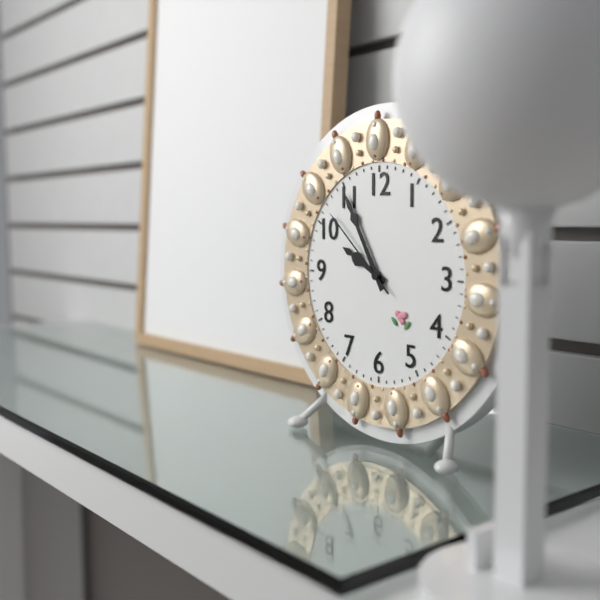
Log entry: 9:55:52
